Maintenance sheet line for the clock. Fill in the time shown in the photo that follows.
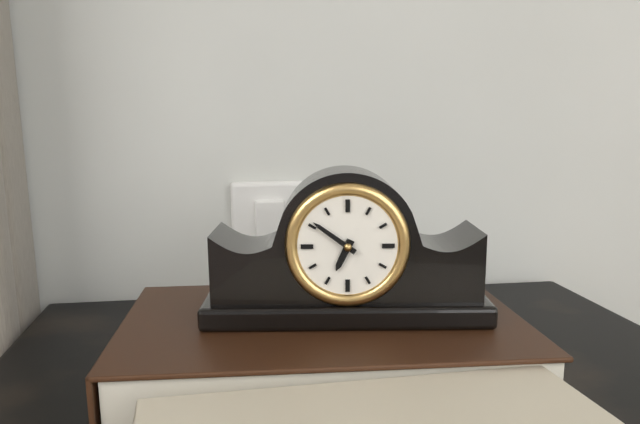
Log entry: 6:51
